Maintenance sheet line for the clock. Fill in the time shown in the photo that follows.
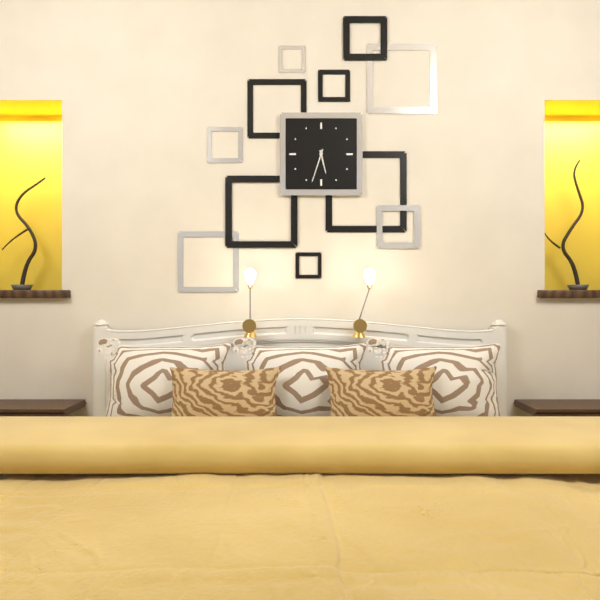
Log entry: 5:33
